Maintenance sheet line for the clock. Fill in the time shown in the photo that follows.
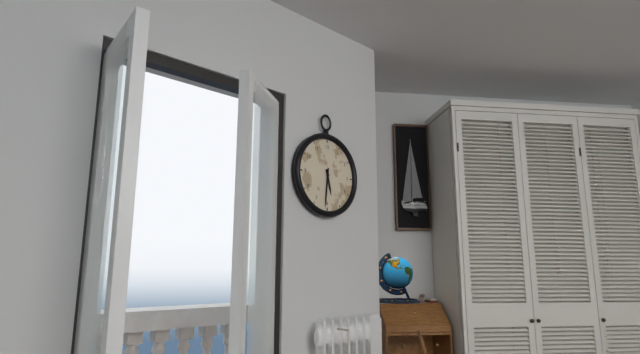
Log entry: 5:31
